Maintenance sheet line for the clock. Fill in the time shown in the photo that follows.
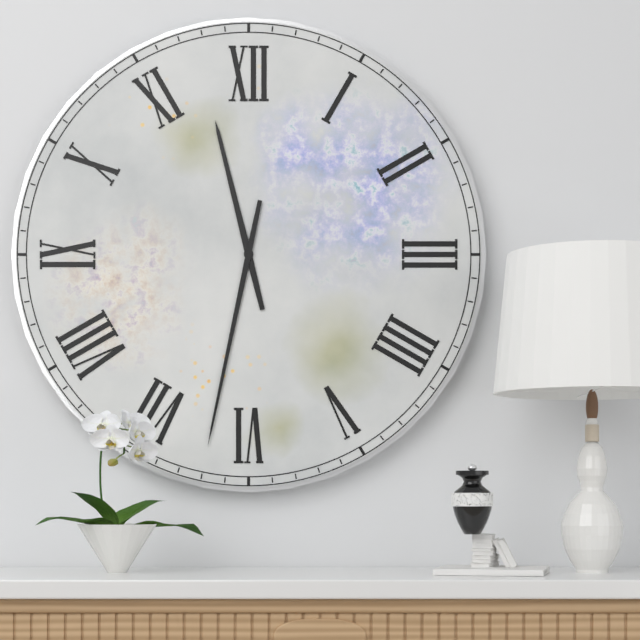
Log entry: 11:32
